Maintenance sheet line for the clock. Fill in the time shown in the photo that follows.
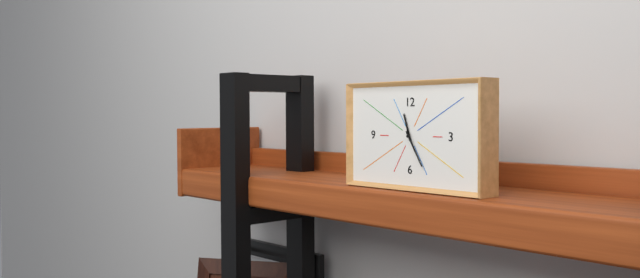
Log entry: 11:25
